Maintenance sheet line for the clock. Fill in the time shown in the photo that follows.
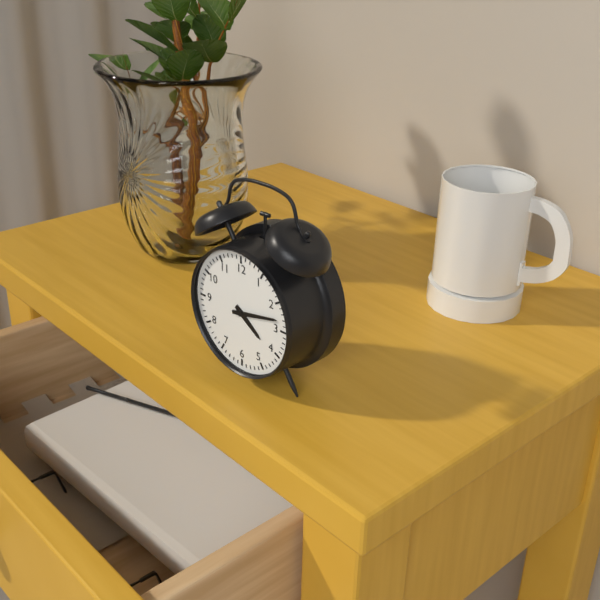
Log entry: 4:13
